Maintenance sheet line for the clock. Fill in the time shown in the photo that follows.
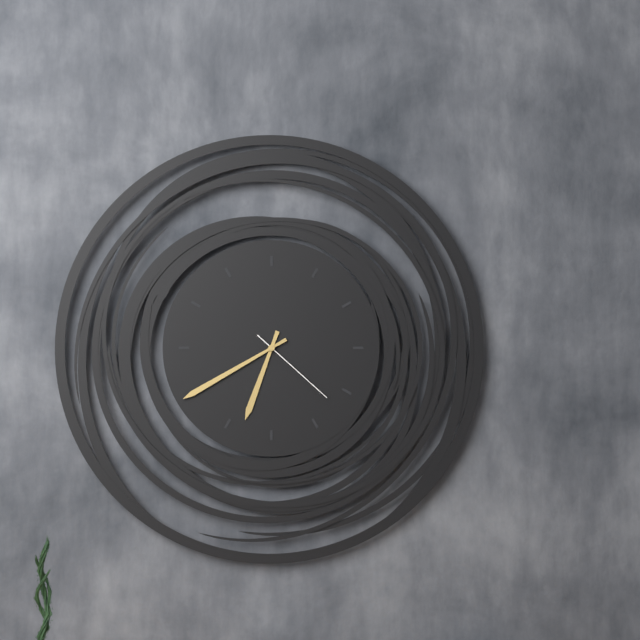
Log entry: 6:40:22
